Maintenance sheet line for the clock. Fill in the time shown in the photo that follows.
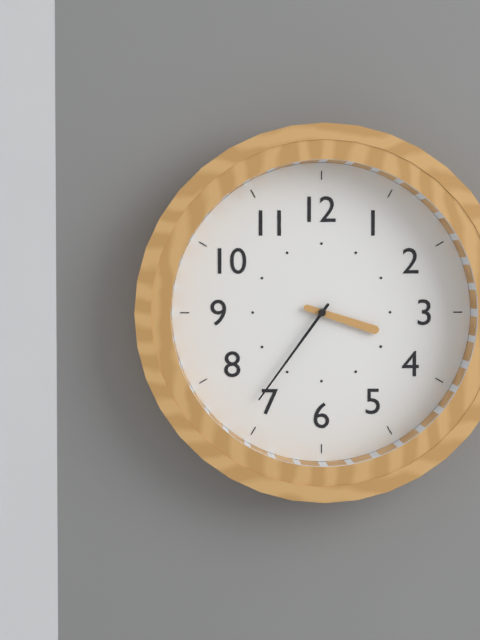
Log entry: 3:36
